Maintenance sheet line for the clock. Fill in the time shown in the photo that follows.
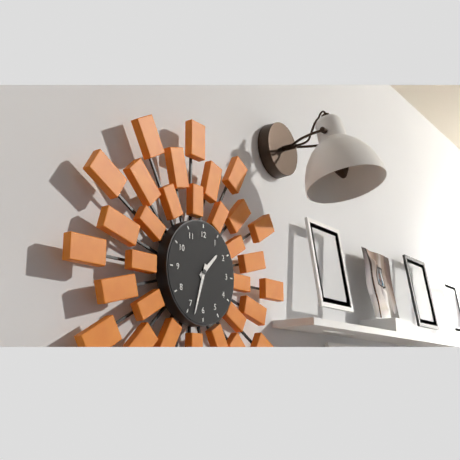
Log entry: 1:33
